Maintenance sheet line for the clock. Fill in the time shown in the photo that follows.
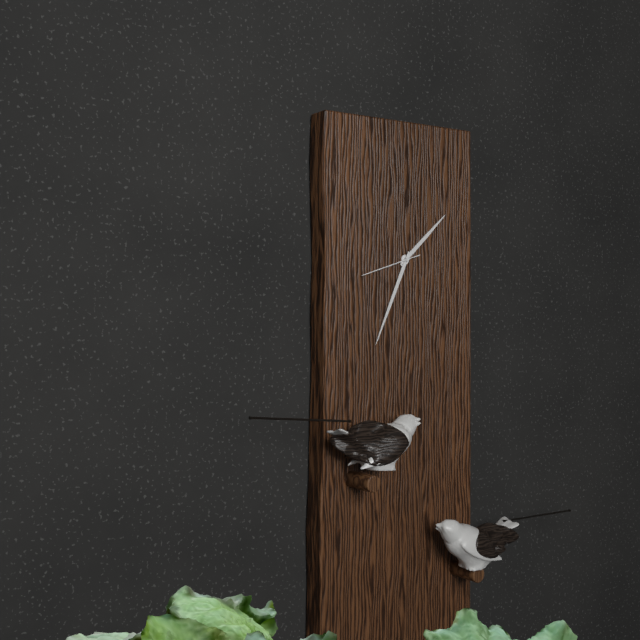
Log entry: 1:34:42
